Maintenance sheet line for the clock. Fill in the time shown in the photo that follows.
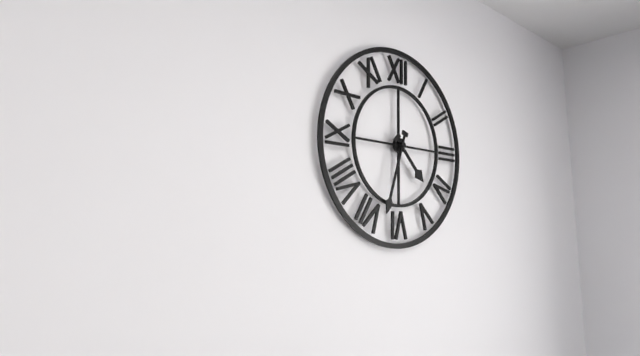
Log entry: 4:33
